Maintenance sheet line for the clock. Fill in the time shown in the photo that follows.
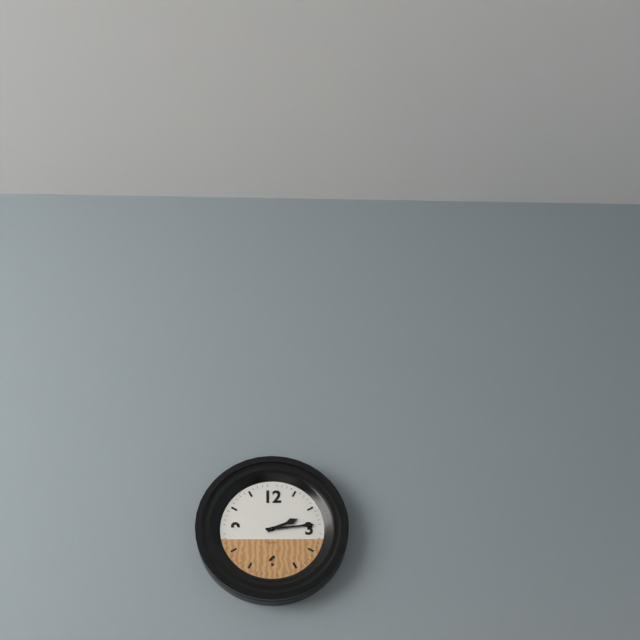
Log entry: 2:14
